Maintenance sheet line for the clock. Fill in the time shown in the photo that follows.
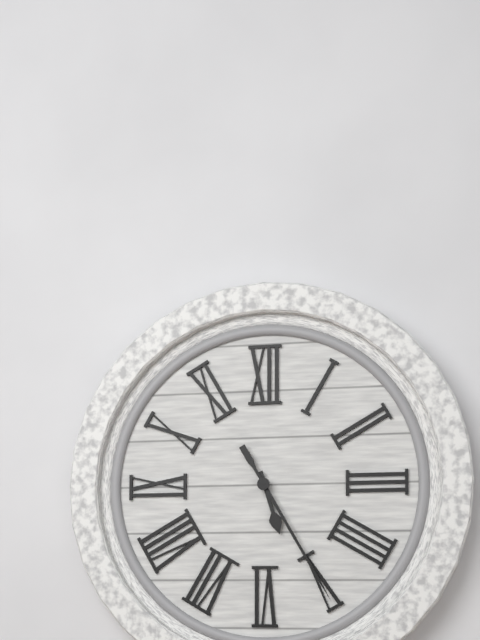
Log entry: 5:25
